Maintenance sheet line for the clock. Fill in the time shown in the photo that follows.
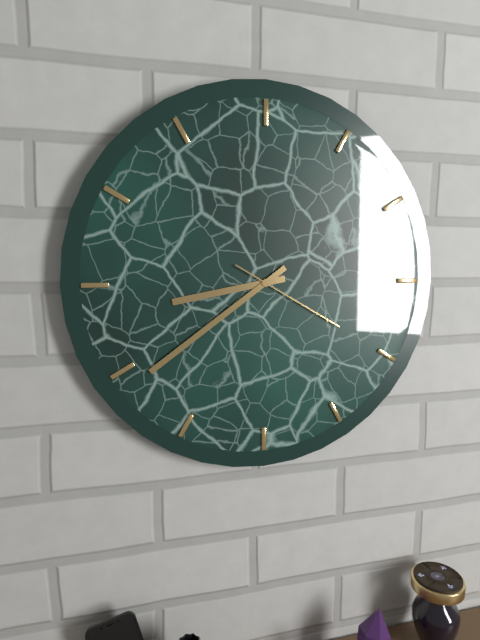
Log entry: 8:39:20
